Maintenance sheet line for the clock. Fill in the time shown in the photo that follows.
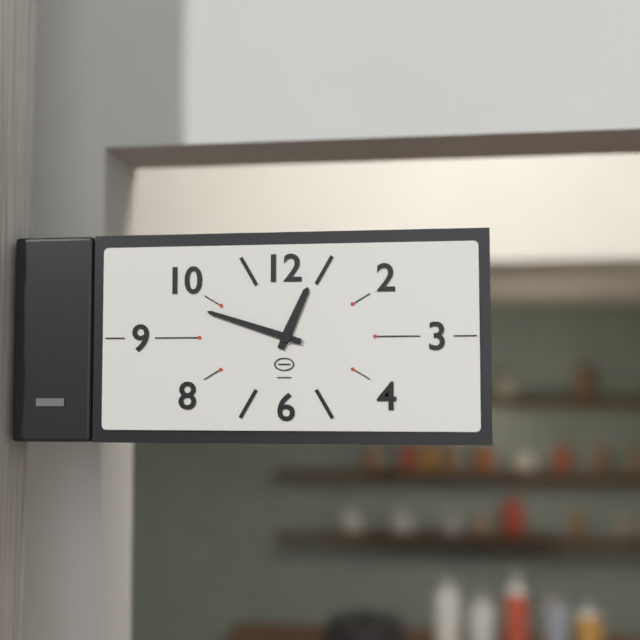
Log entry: 12:48
